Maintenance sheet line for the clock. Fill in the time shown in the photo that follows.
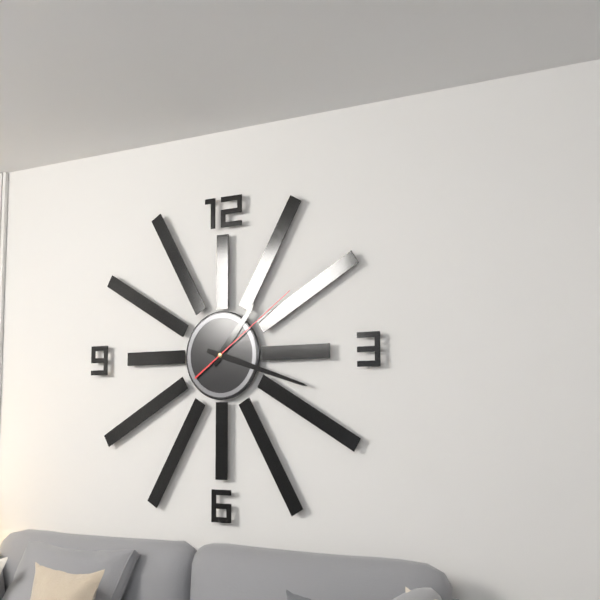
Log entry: 1:18:09
